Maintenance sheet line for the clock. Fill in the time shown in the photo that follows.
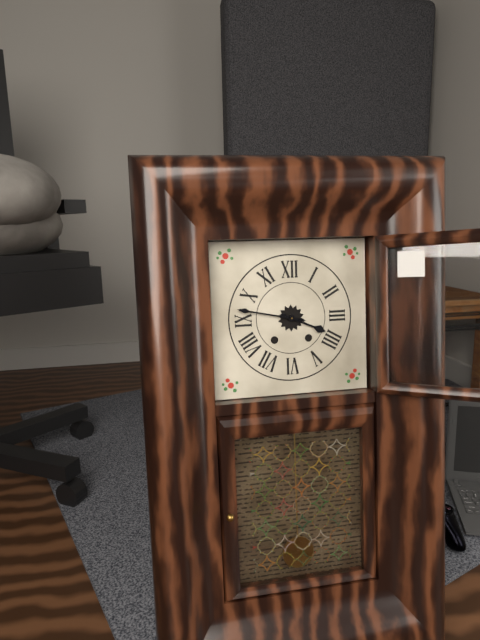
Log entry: 3:47
